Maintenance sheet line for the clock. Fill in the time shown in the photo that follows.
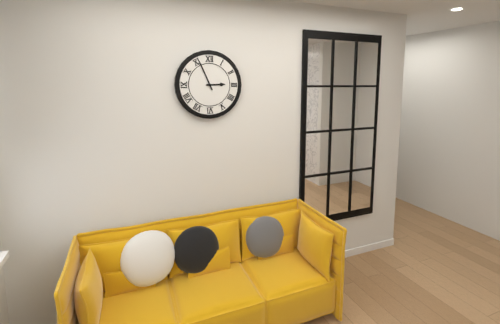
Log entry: 2:56
